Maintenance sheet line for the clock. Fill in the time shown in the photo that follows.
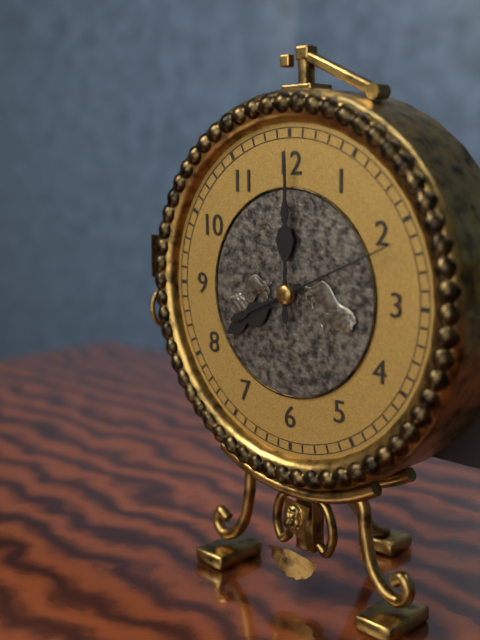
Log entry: 8:00:11
